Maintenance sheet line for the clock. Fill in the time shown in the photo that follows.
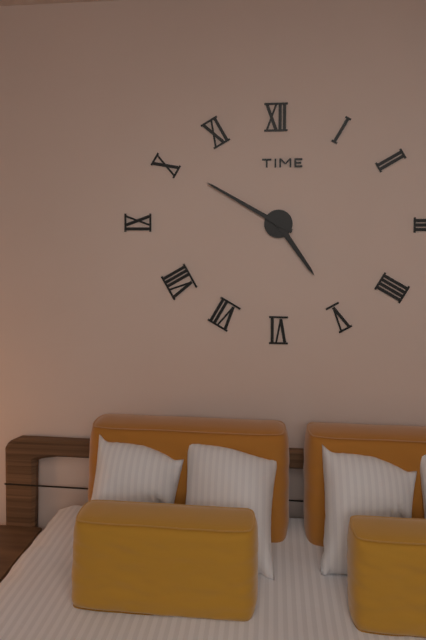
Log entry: 4:50
